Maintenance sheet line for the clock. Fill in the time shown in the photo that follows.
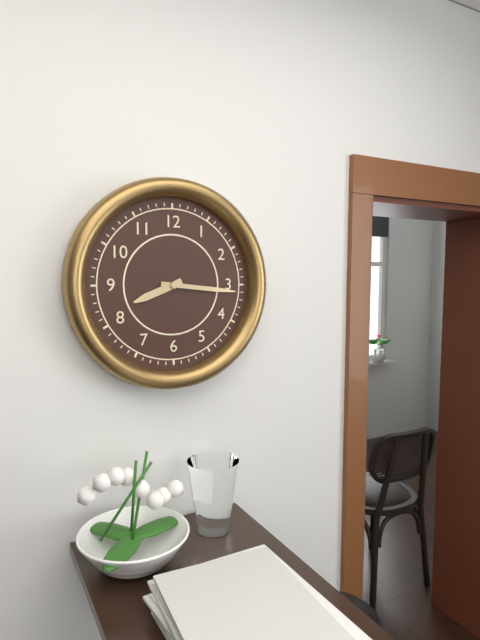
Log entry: 8:16
